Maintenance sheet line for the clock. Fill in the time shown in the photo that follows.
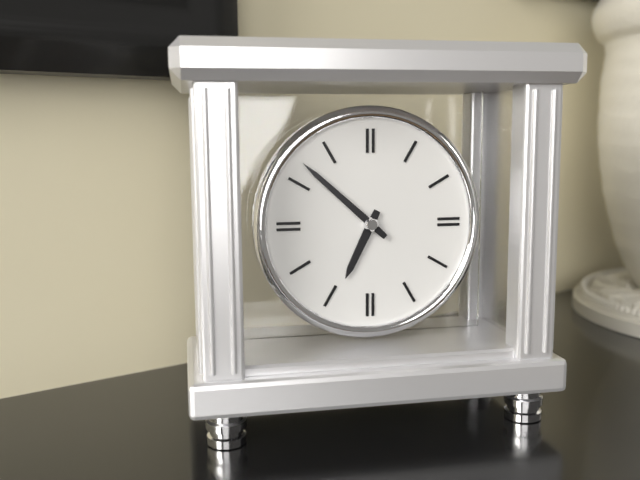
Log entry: 6:52
